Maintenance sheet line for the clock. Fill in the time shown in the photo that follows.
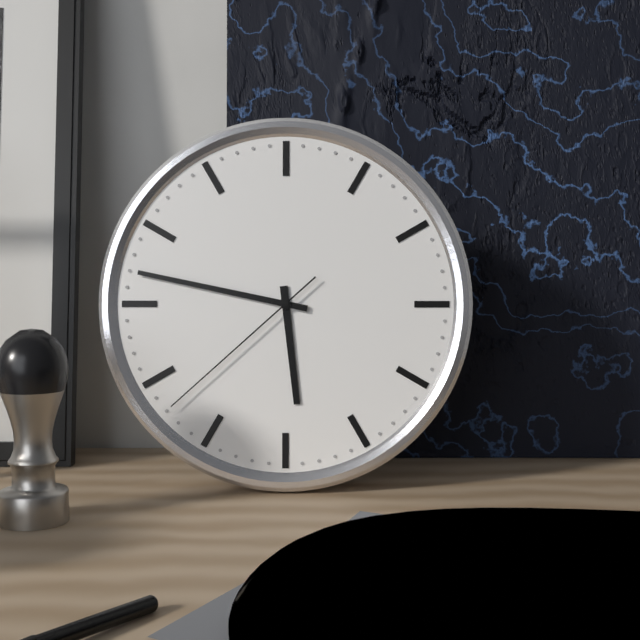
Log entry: 5:47:38
